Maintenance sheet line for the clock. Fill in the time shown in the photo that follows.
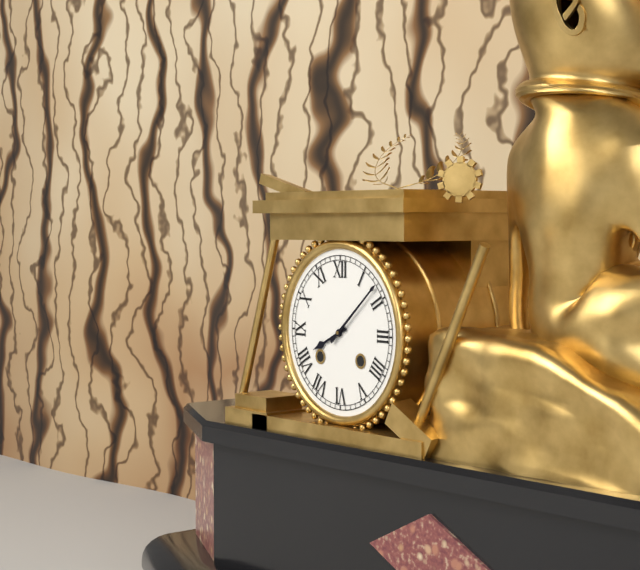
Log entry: 8:08
